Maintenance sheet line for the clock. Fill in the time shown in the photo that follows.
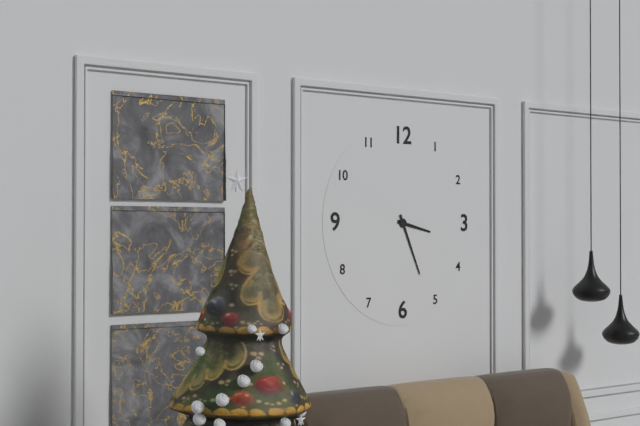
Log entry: 3:26
